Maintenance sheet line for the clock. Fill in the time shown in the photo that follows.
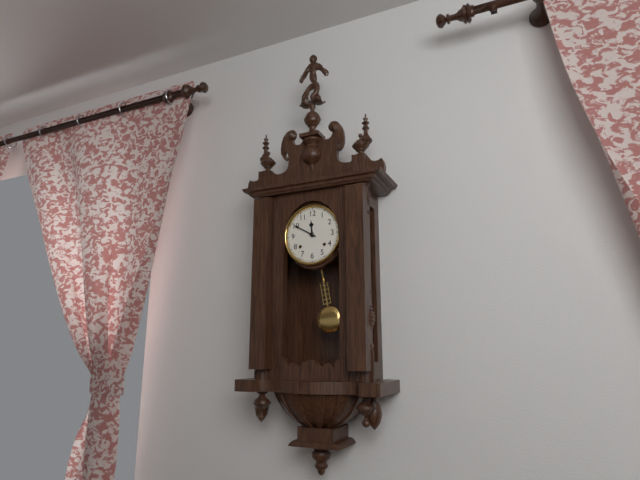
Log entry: 11:50
